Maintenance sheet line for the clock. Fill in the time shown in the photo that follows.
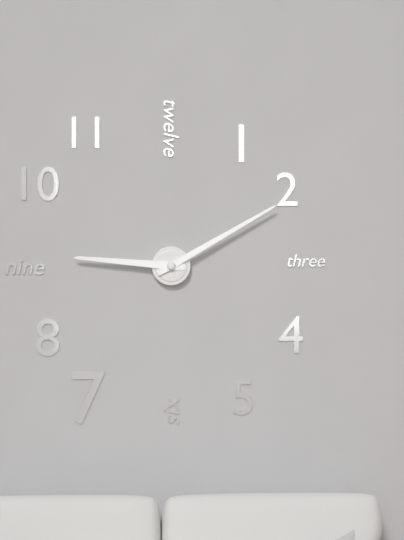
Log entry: 9:10
